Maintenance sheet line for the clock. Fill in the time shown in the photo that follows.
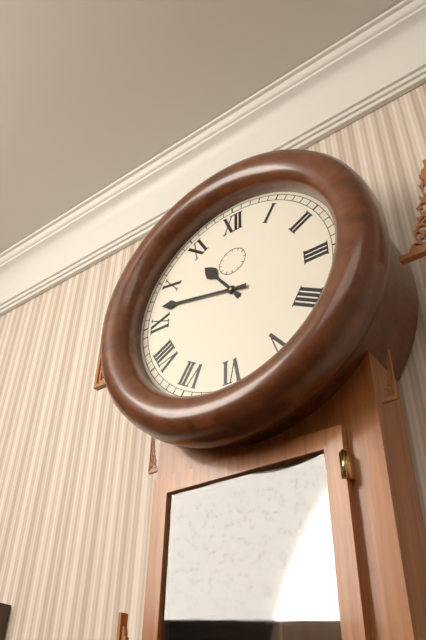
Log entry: 10:47
